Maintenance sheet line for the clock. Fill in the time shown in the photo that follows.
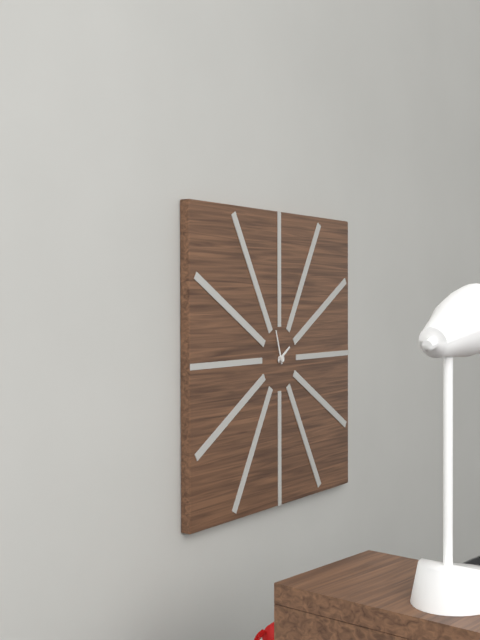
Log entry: 1:57
